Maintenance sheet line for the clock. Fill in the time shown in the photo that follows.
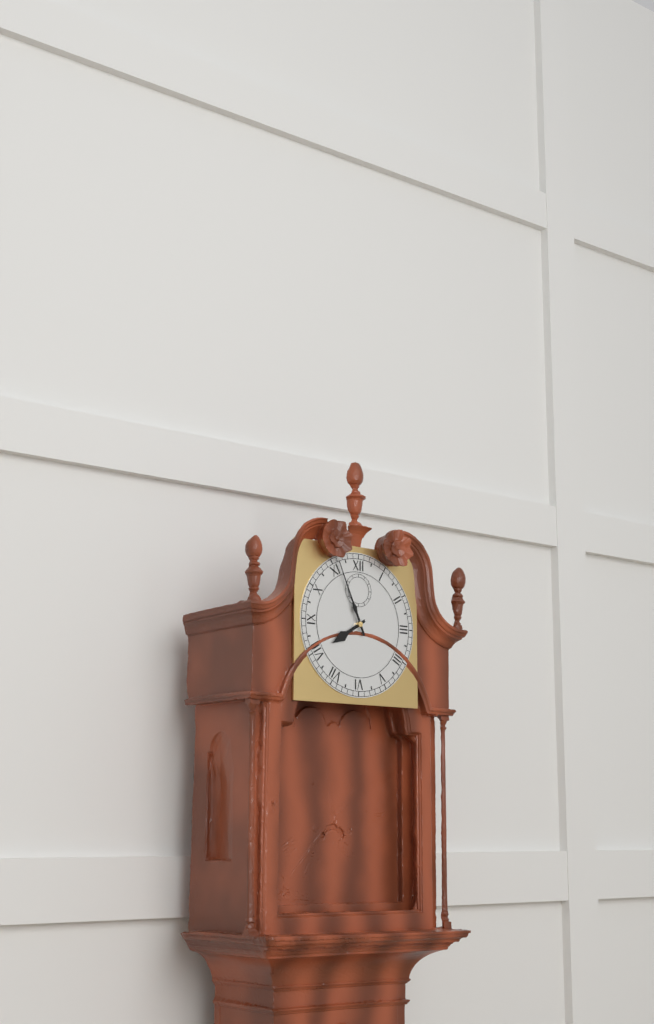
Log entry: 7:56
